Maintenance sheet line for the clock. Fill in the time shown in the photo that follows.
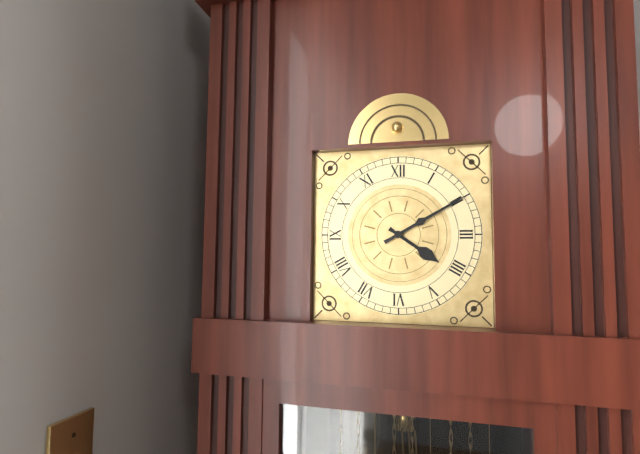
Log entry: 4:10
